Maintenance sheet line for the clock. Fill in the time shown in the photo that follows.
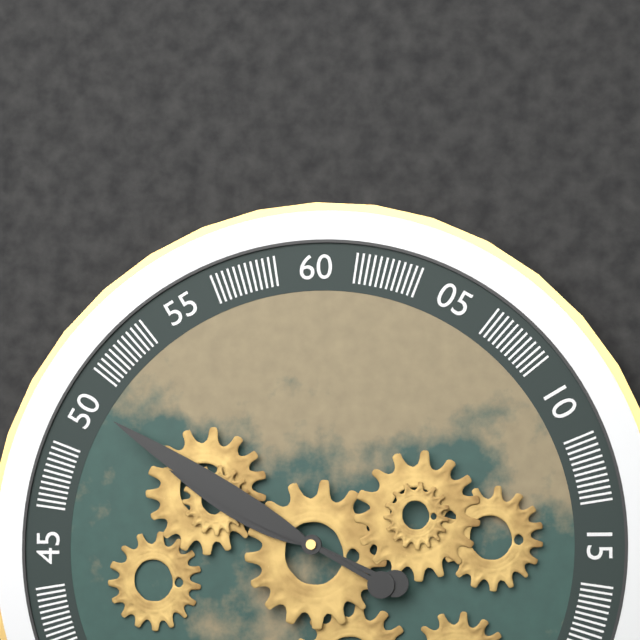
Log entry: 9:50
